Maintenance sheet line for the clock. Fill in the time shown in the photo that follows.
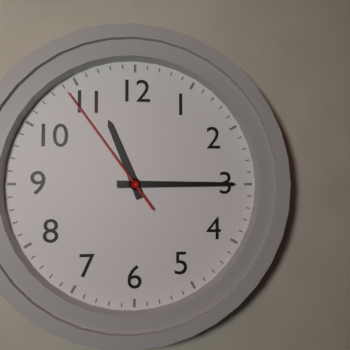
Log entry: 11:15:54
